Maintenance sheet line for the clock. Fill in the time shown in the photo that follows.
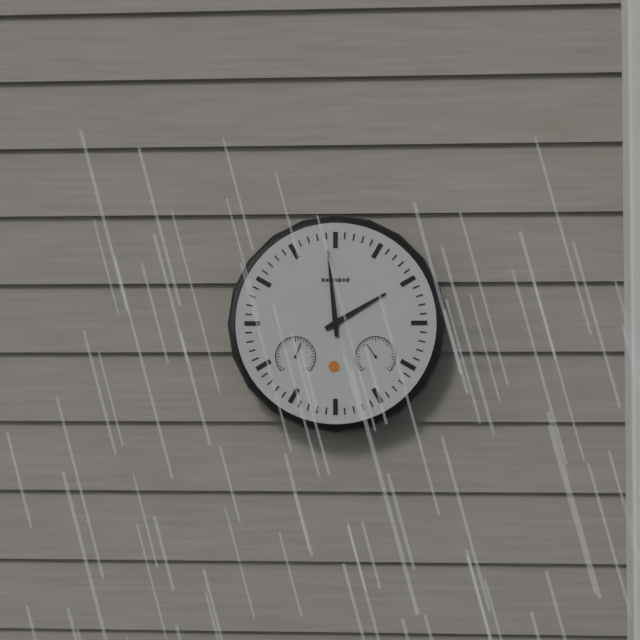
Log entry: 1:59
